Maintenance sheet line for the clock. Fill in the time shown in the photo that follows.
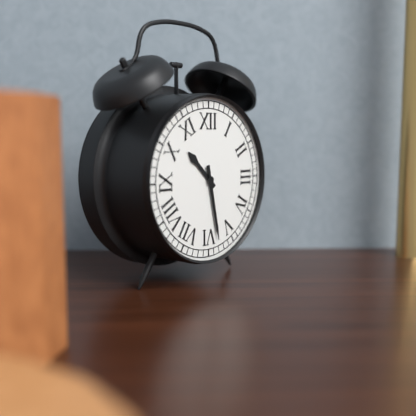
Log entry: 10:28
